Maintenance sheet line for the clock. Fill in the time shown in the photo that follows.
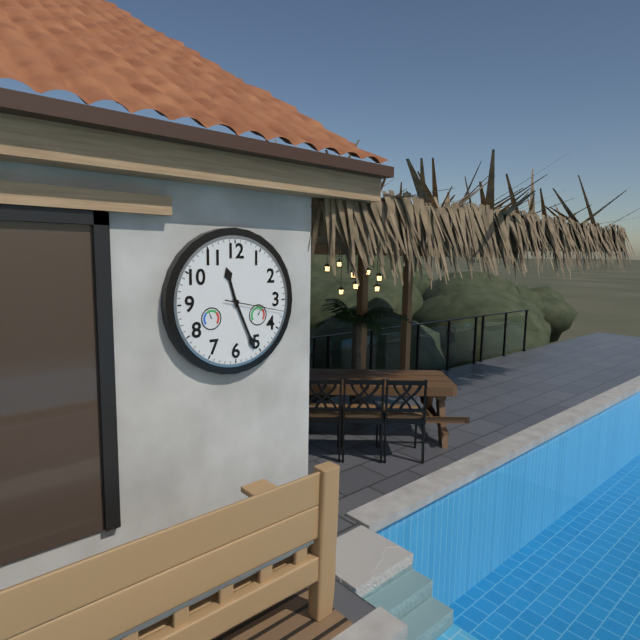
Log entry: 11:26:17
